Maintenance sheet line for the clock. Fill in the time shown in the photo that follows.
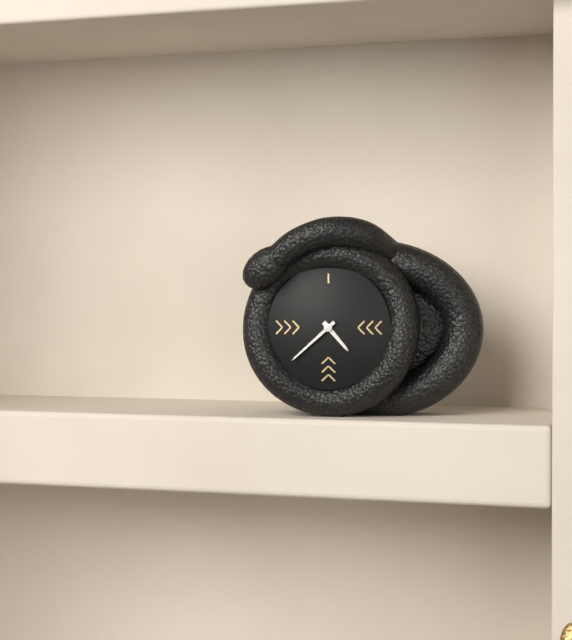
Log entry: 4:38
